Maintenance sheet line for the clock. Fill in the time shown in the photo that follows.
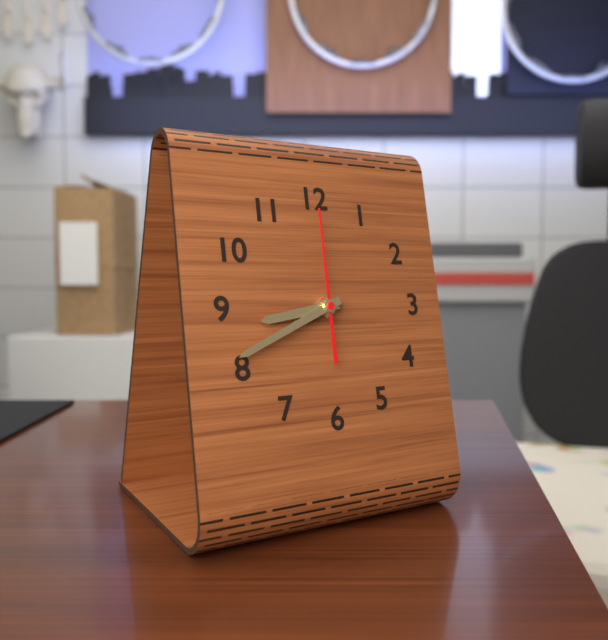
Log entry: 8:41:00
